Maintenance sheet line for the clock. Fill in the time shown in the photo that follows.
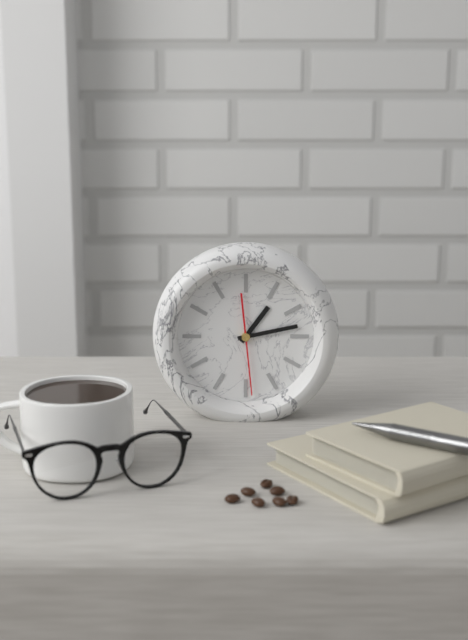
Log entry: 1:13:29
